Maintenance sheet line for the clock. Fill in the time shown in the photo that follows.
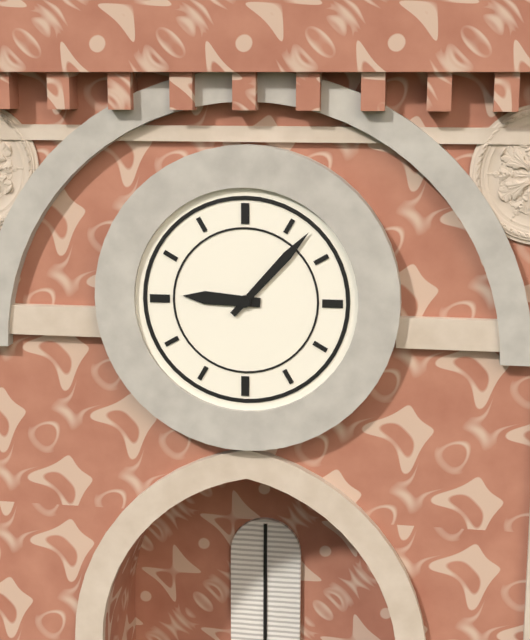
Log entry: 9:07
